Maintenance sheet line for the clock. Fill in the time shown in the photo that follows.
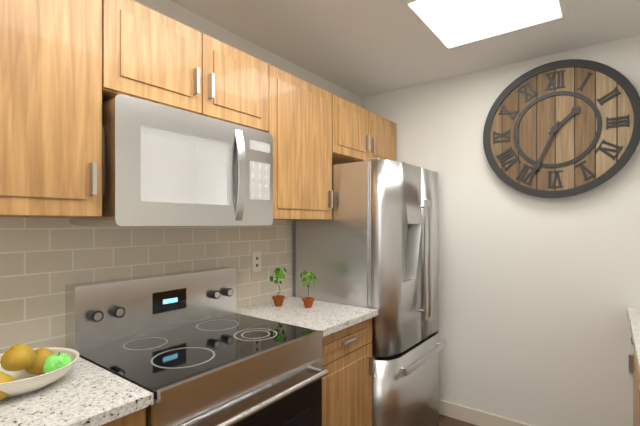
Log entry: 1:34
